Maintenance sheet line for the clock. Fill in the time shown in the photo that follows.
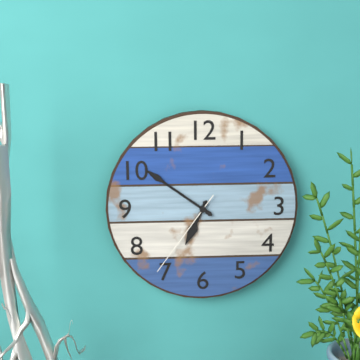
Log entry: 6:51:36
